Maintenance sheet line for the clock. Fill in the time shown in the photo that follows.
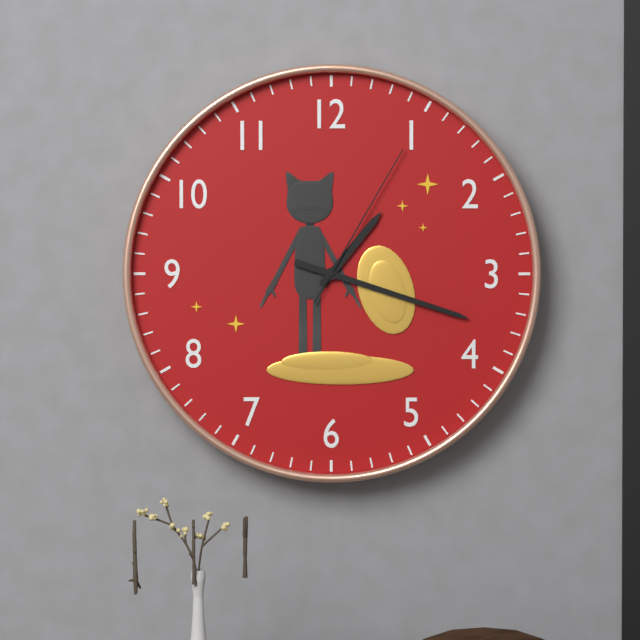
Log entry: 1:18:05
